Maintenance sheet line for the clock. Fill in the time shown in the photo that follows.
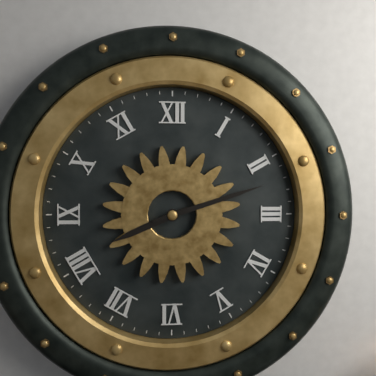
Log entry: 8:12
